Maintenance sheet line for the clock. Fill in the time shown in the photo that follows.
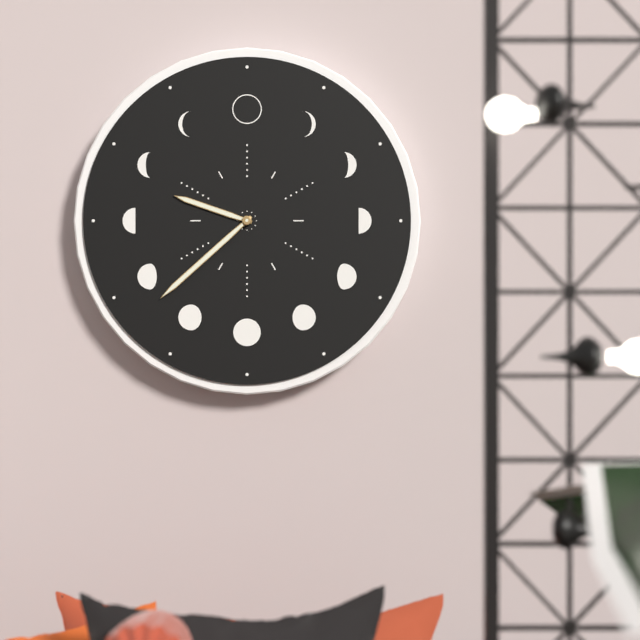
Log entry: 9:38
